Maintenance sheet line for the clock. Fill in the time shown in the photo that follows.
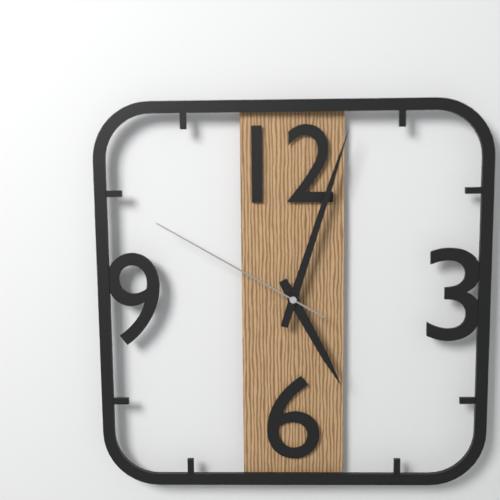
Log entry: 5:03:50
